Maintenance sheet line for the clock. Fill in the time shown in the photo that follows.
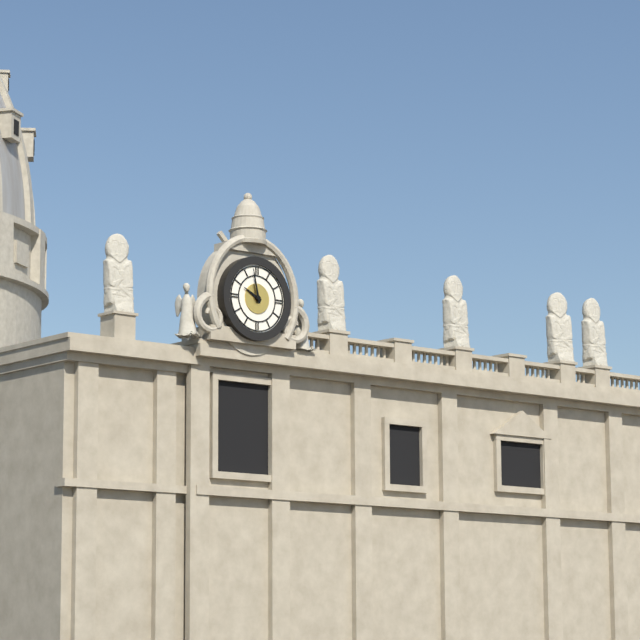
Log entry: 9:58
